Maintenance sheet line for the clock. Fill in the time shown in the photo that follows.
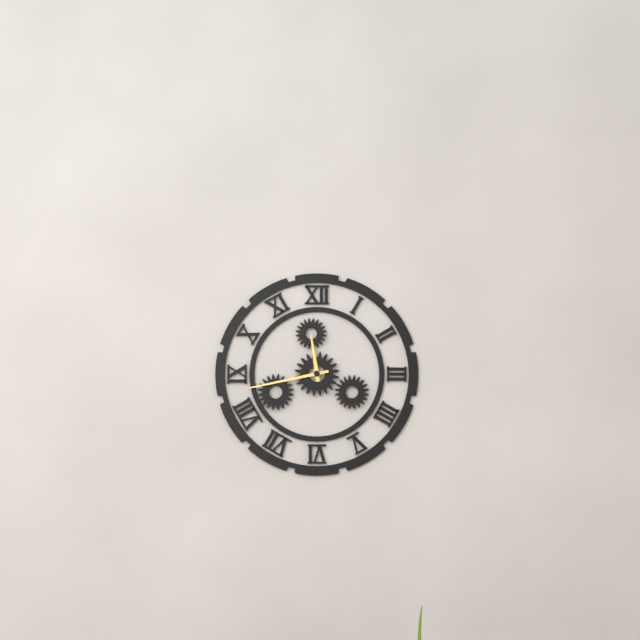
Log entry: 11:43
